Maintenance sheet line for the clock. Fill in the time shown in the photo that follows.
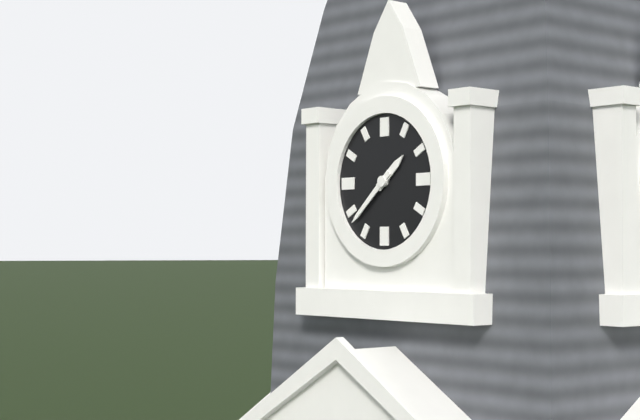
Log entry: 1:38
